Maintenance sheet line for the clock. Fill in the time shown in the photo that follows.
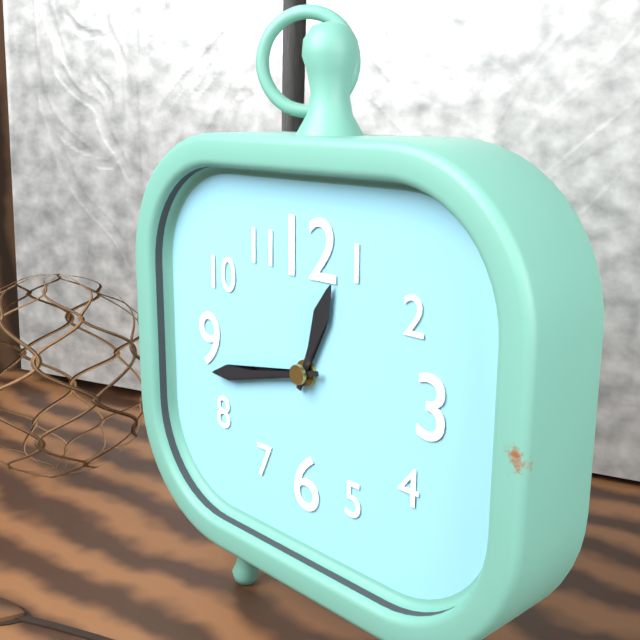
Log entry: 12:43
